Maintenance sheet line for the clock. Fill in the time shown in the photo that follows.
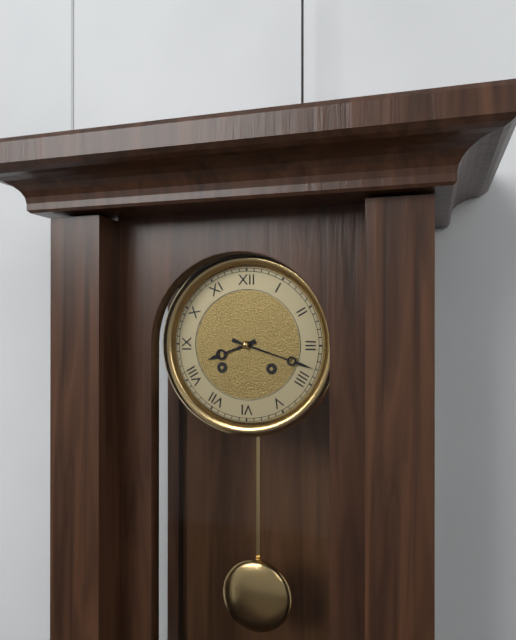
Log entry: 8:18
